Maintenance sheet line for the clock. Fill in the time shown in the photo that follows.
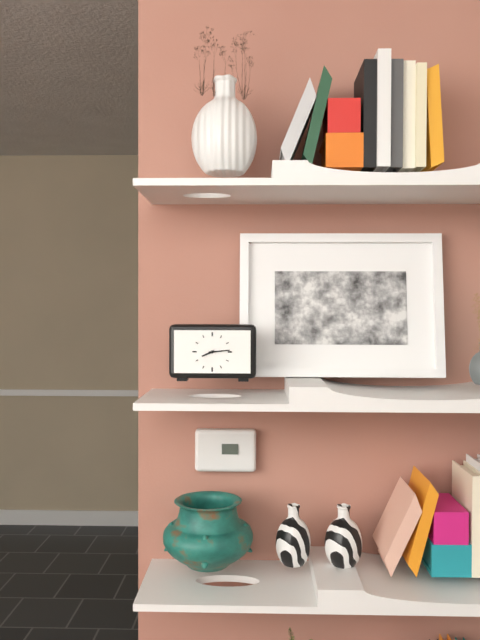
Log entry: 8:14
